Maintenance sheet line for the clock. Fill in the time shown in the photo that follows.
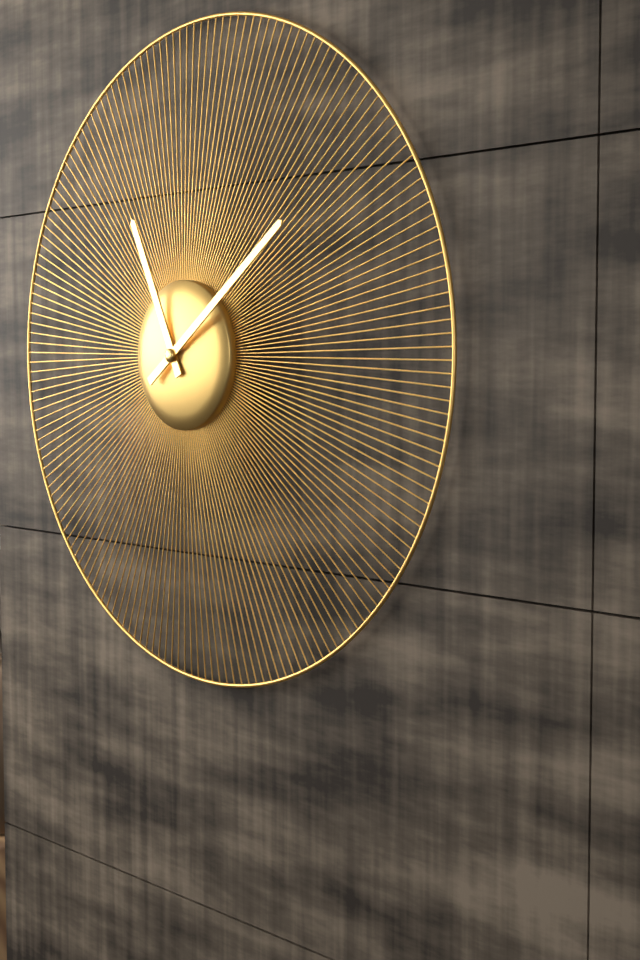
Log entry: 11:09
